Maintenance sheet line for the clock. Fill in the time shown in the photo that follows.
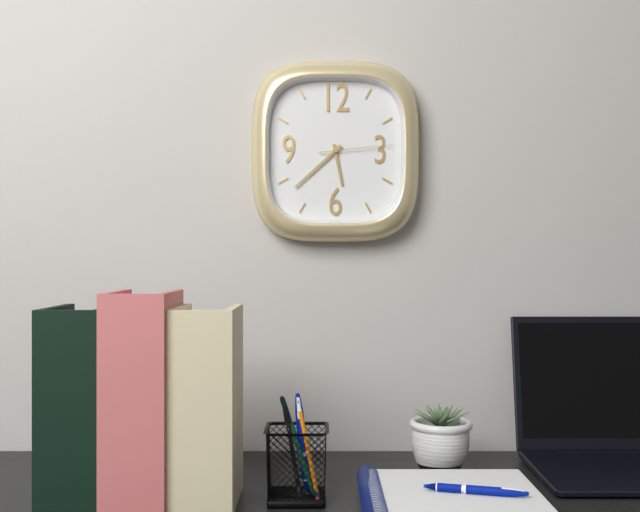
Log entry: 5:38:14
